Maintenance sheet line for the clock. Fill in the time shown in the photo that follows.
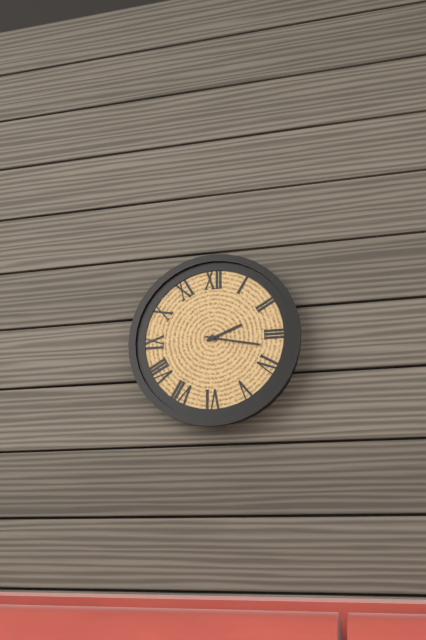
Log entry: 2:17
